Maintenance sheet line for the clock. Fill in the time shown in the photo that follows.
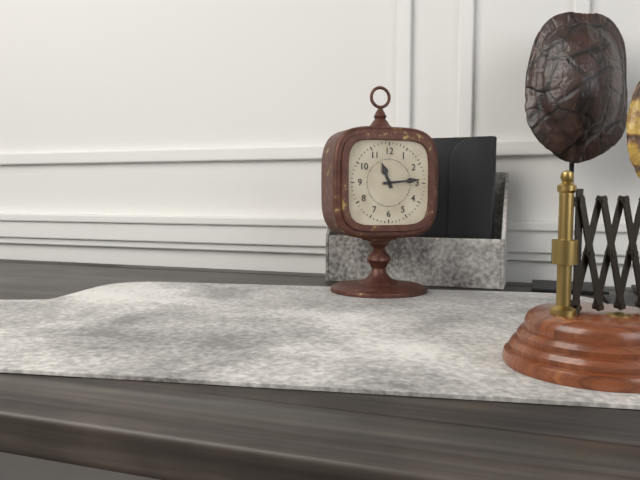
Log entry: 11:14
